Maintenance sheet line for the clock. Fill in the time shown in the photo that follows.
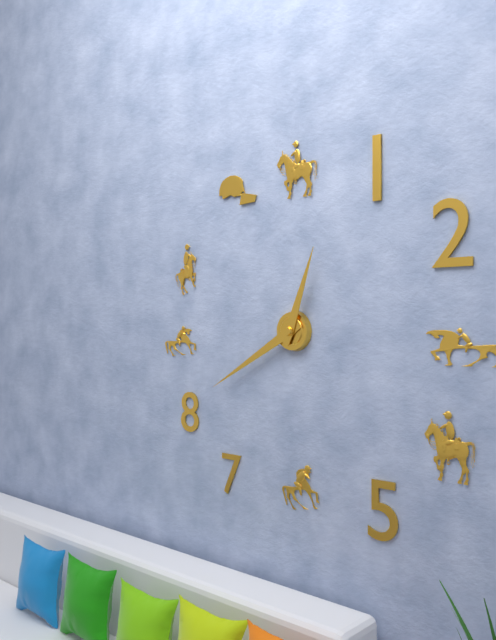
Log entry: 12:40
